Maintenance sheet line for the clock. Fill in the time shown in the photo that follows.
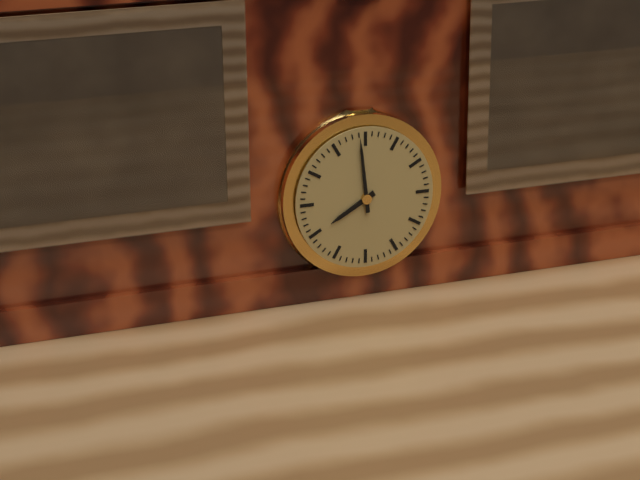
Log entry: 7:59
